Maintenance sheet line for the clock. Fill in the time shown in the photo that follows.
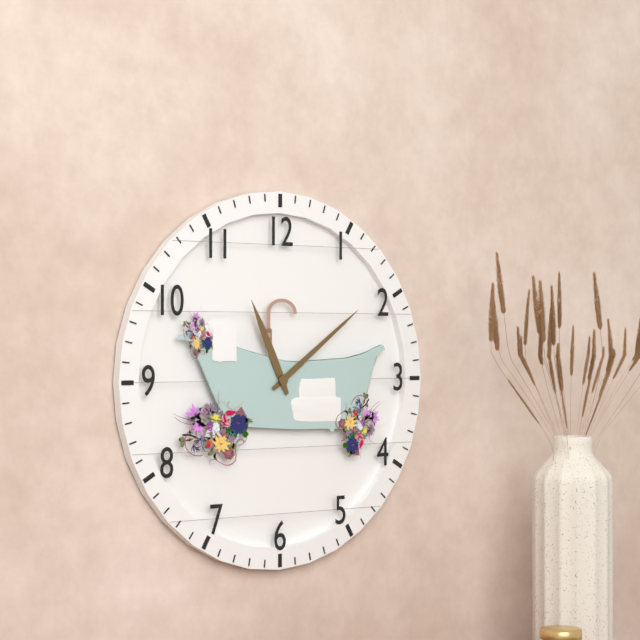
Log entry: 11:09
